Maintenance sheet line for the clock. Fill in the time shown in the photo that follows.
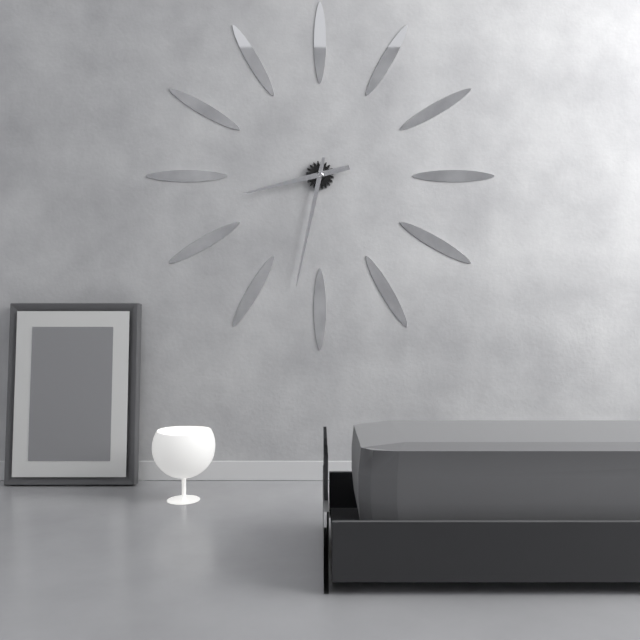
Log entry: 8:32
